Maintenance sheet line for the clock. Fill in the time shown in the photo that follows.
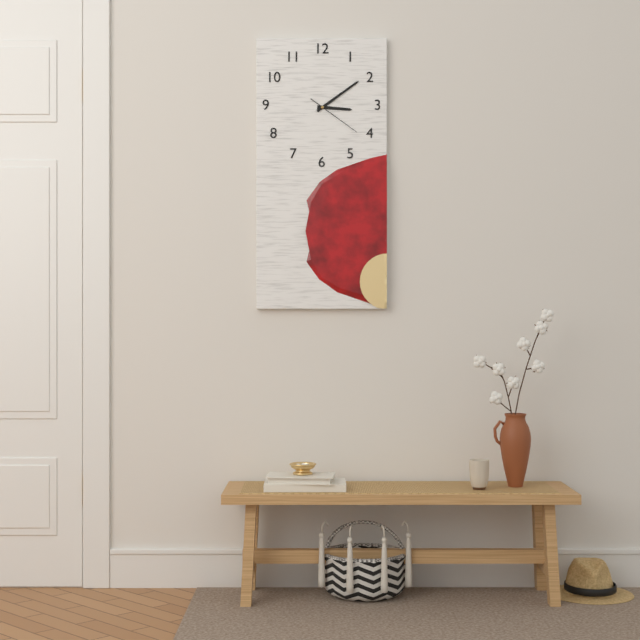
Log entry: 3:09:21
